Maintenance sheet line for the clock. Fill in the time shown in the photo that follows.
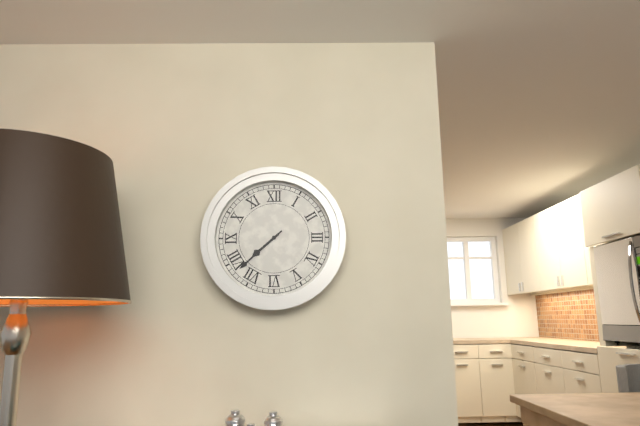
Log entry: 7:38
